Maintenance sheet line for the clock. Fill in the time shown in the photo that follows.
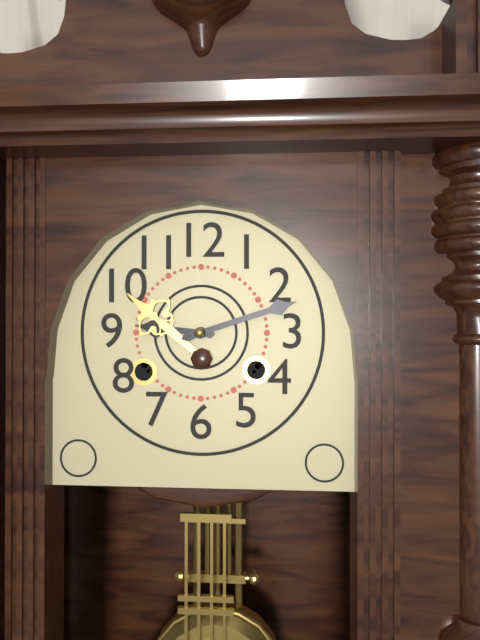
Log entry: 9:12
